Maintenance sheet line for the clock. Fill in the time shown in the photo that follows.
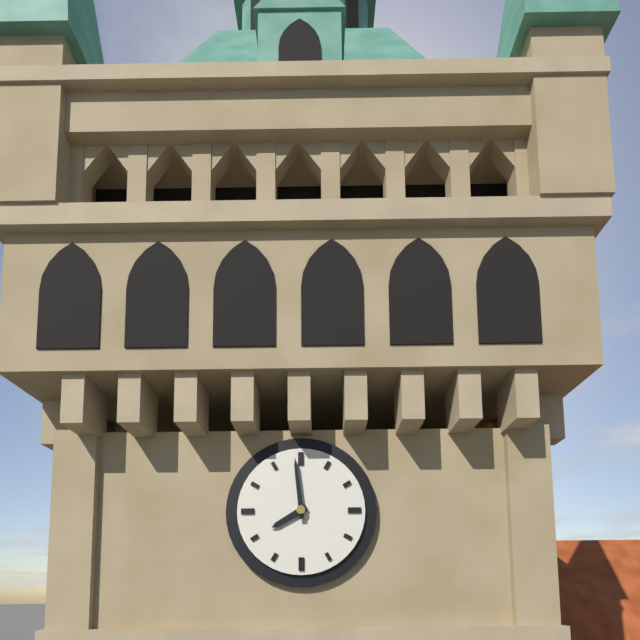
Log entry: 7:59
